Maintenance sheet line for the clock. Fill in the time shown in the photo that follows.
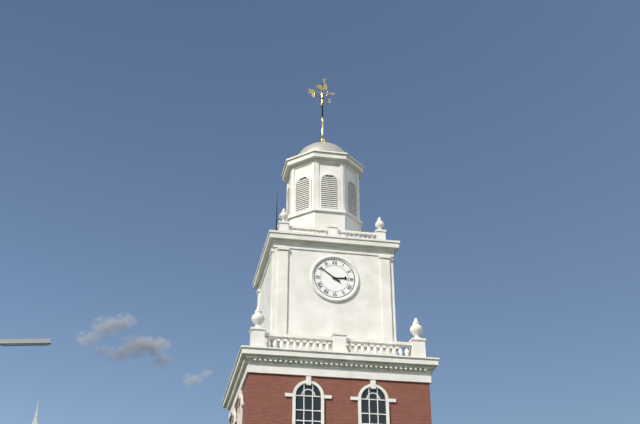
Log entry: 2:51
